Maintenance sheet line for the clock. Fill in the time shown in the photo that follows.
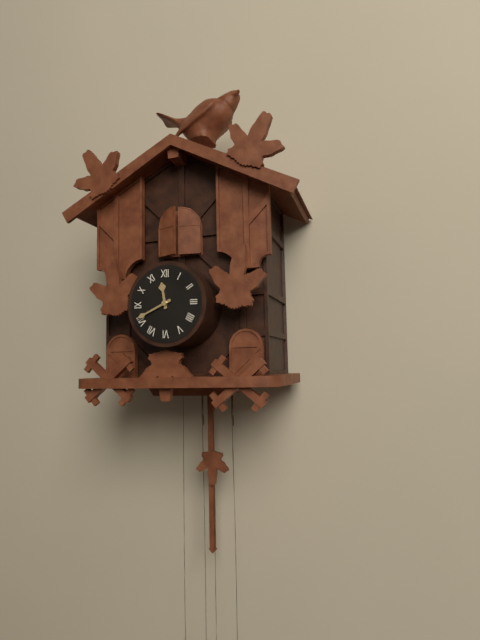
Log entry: 11:41
